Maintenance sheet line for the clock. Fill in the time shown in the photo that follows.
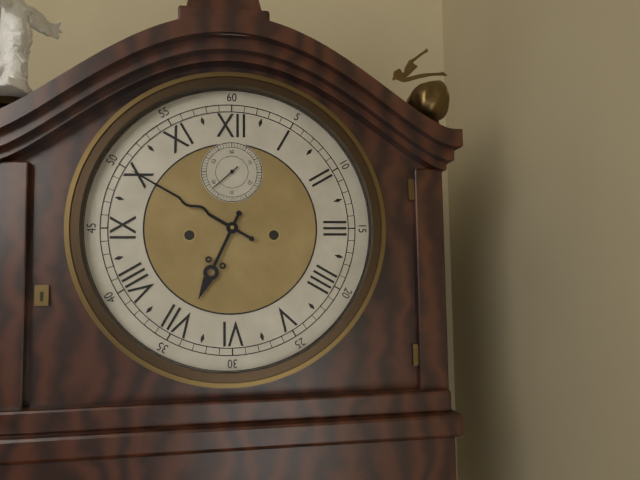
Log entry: 6:50
